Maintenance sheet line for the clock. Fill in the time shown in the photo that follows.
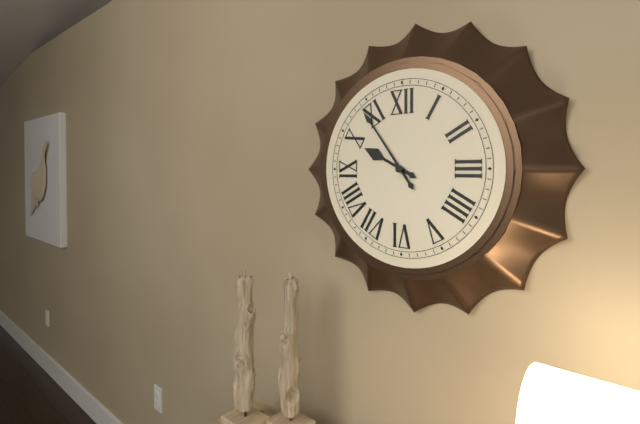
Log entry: 9:54
